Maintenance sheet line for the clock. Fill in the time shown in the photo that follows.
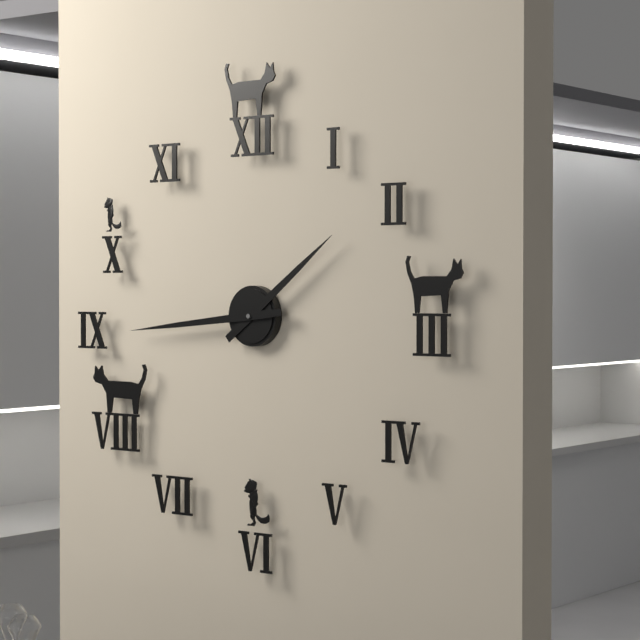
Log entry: 1:44
